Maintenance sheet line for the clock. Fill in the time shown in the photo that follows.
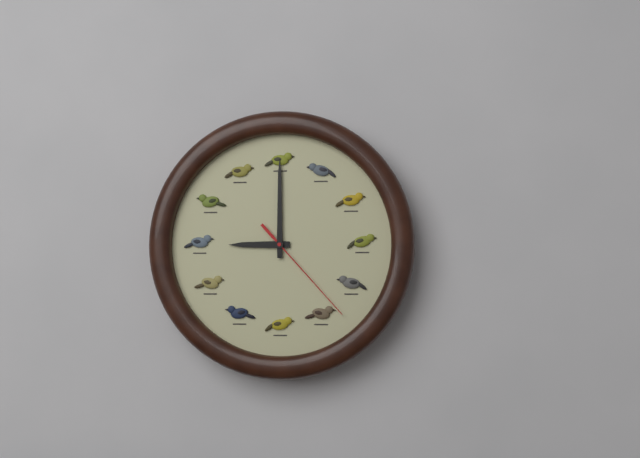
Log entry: 9:00:23
